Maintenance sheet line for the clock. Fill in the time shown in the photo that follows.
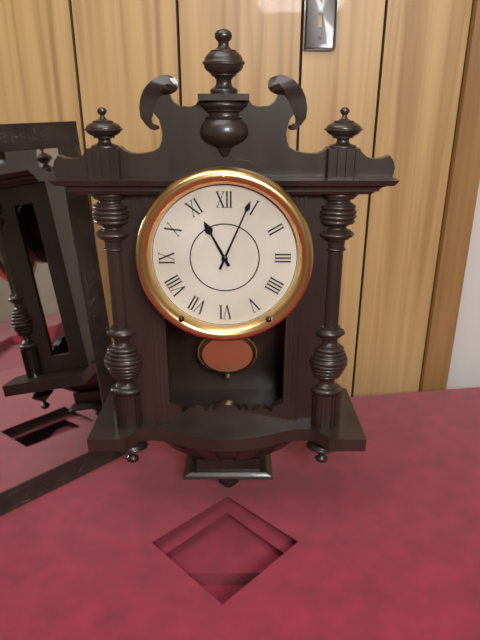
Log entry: 11:04
